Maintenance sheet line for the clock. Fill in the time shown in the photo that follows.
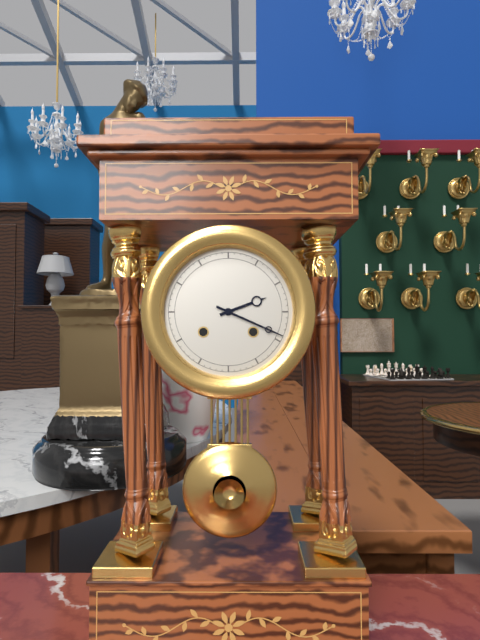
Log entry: 2:19
